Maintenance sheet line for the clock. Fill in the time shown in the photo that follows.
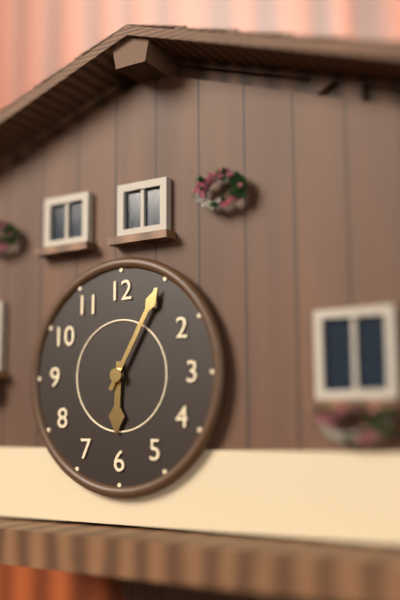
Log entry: 6:05
